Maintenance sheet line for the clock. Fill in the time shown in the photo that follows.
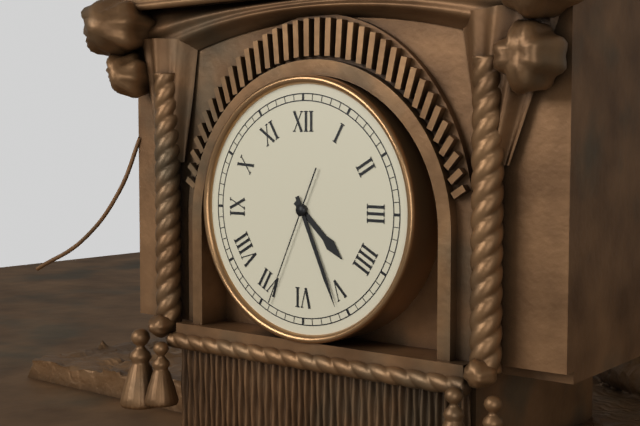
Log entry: 4:26:34
